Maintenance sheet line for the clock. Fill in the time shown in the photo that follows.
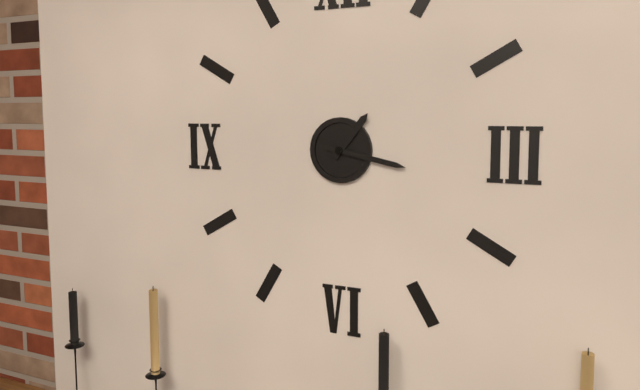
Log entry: 1:17
